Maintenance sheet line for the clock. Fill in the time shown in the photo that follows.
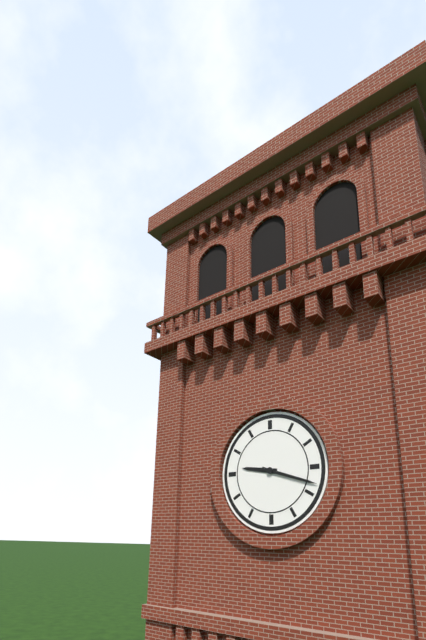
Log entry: 9:18
